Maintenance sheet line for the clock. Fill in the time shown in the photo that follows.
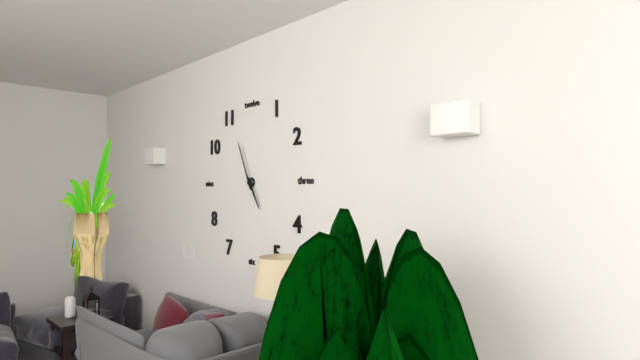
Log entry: 4:56
